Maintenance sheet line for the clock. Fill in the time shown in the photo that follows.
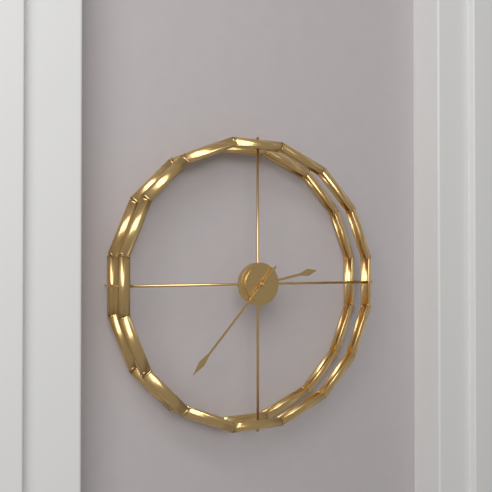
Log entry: 2:37
